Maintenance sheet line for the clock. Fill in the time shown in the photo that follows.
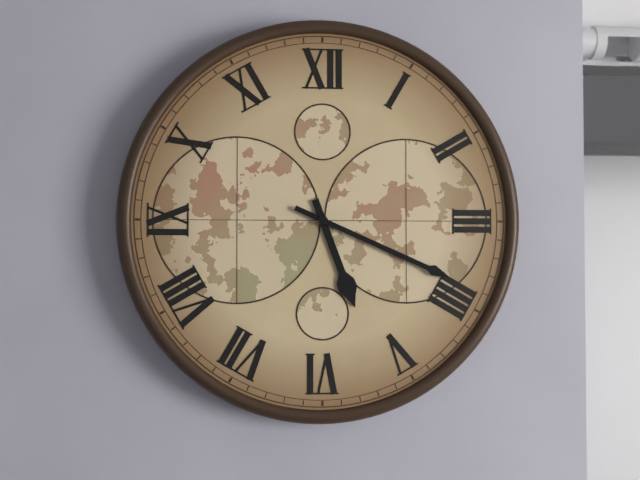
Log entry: 5:19
